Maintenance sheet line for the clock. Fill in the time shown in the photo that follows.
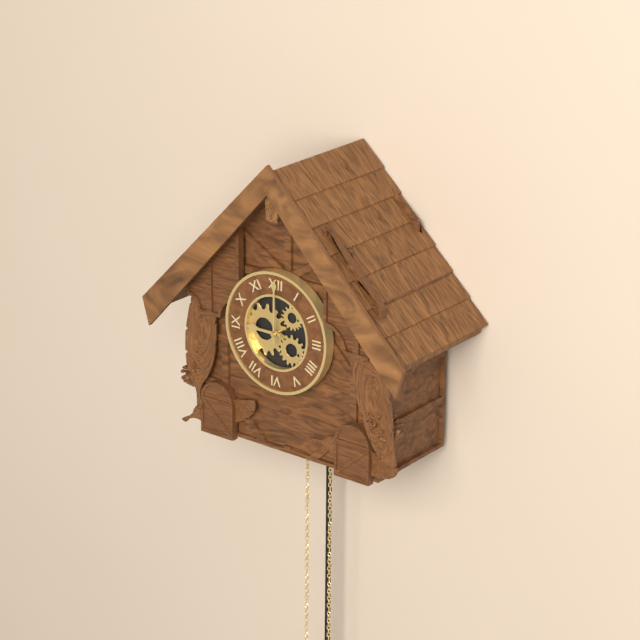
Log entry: 9:00
